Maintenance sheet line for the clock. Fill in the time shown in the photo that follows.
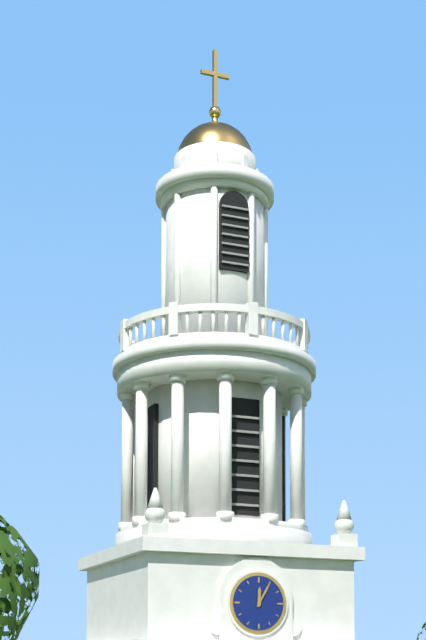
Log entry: 12:05
